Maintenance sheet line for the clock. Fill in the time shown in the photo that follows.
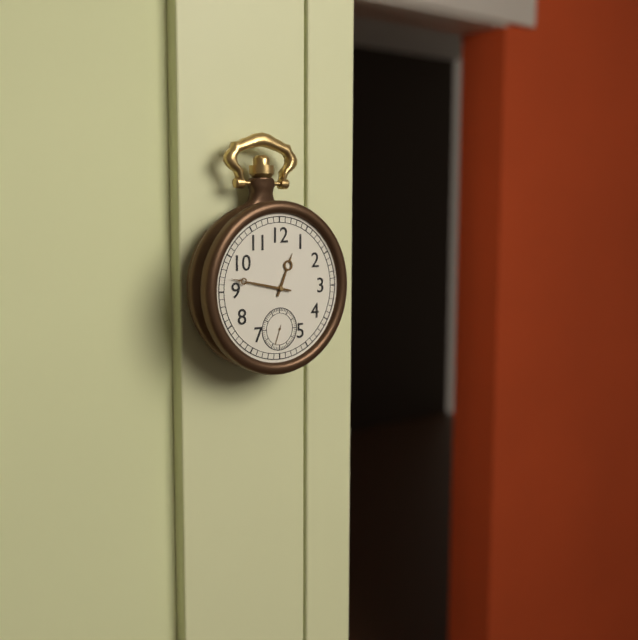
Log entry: 12:47
